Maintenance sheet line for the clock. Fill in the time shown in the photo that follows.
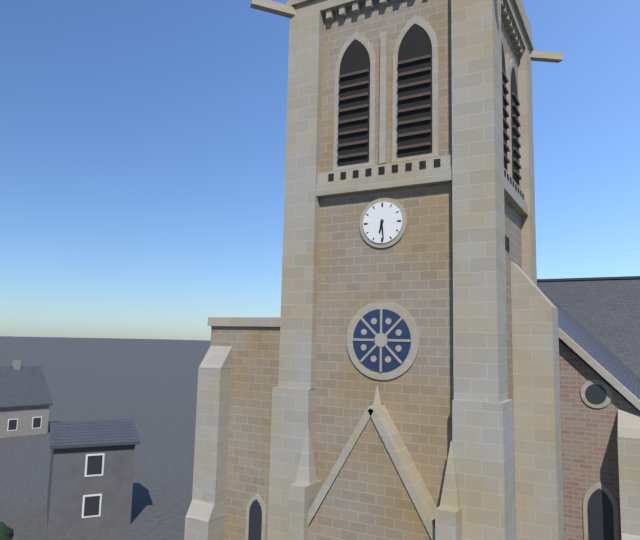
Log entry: 6:29
